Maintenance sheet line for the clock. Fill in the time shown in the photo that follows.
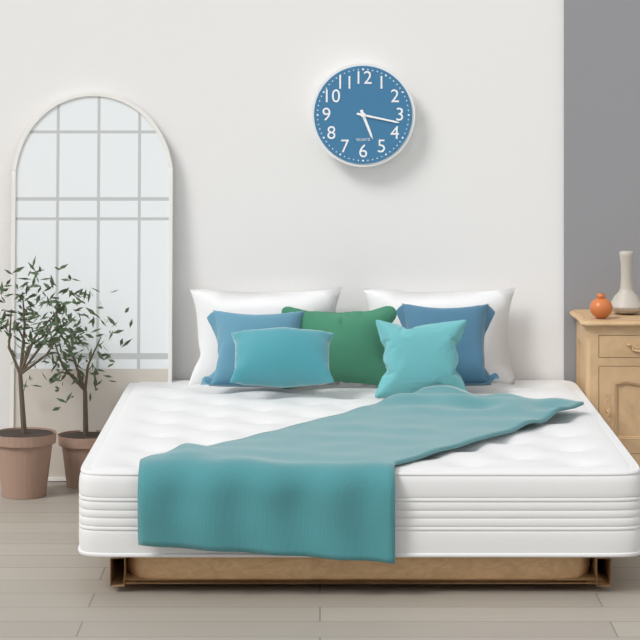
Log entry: 5:17
